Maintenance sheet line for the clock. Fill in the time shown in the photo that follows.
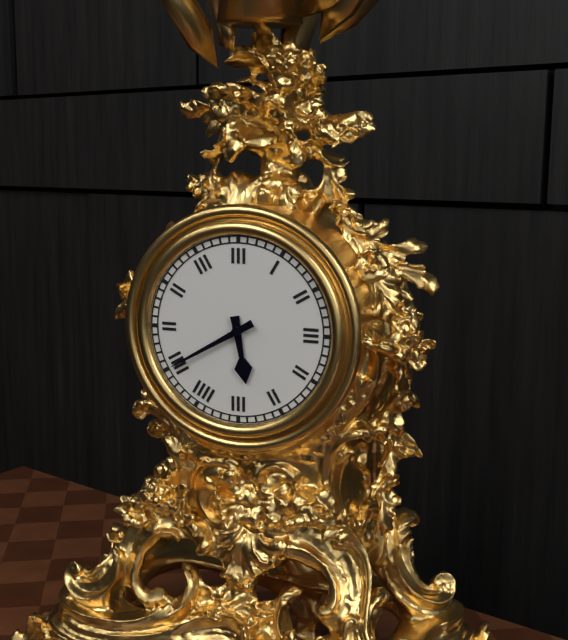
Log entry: 5:40
